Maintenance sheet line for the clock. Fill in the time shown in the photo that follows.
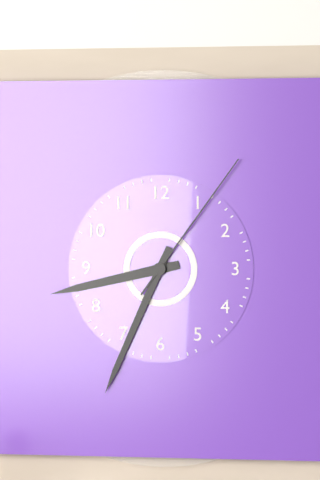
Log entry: 8:34:06
